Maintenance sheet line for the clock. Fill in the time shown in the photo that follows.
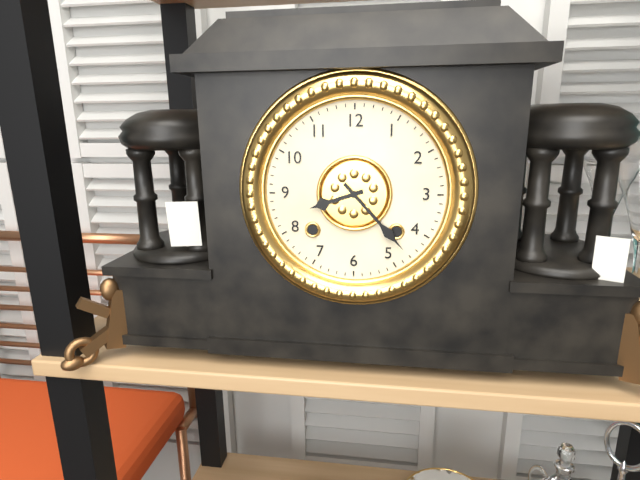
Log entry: 8:23
